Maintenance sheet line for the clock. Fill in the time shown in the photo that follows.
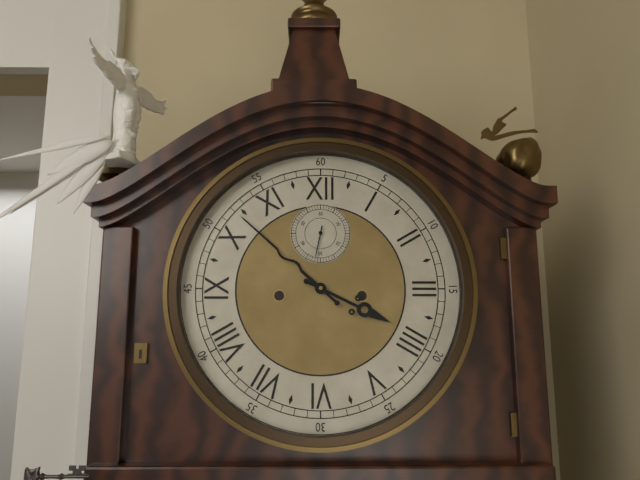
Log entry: 3:52
